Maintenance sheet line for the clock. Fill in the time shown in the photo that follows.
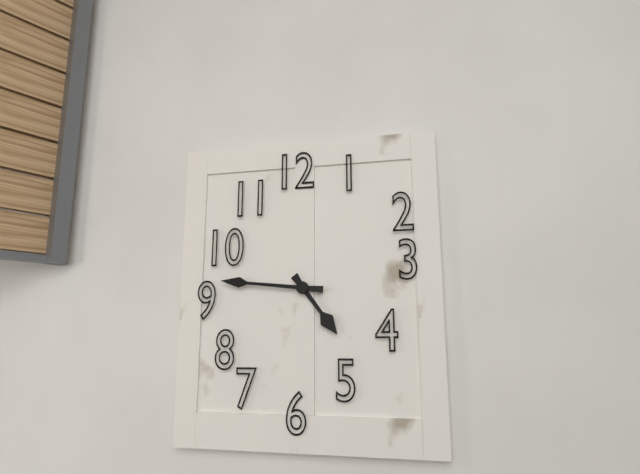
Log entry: 4:46
